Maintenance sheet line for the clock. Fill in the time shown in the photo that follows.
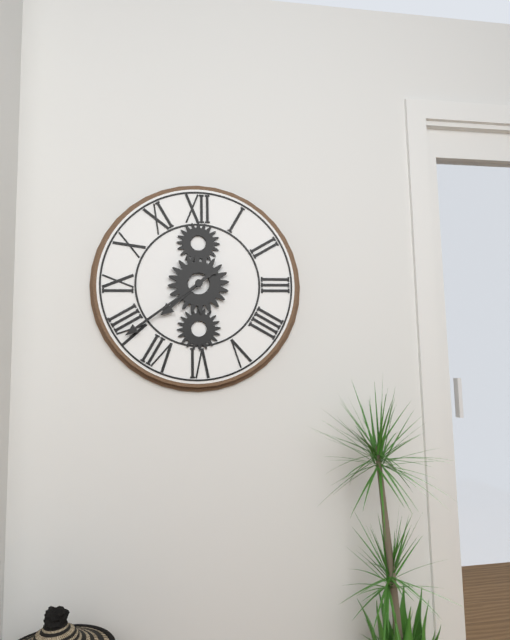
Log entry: 7:39
